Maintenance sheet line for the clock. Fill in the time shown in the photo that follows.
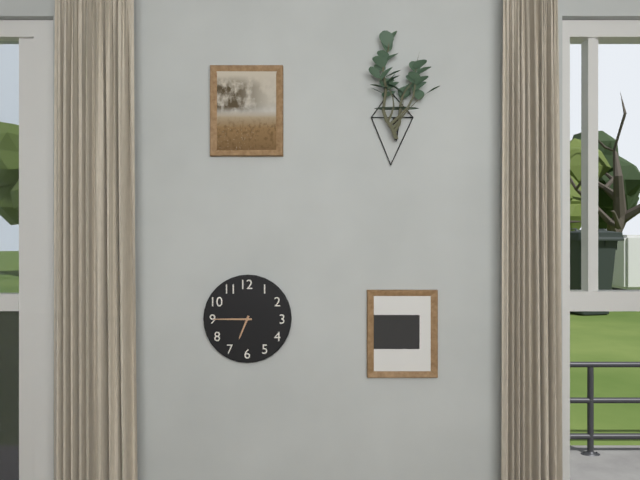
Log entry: 6:45
